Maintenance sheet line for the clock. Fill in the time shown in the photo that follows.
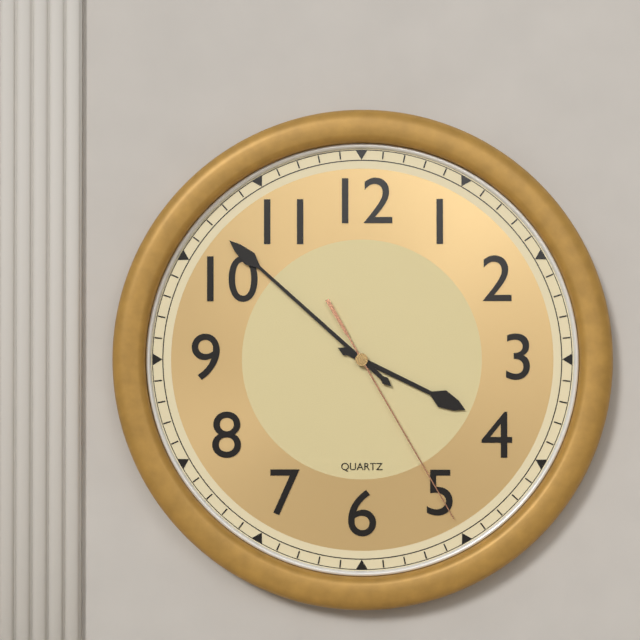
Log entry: 3:52:25
